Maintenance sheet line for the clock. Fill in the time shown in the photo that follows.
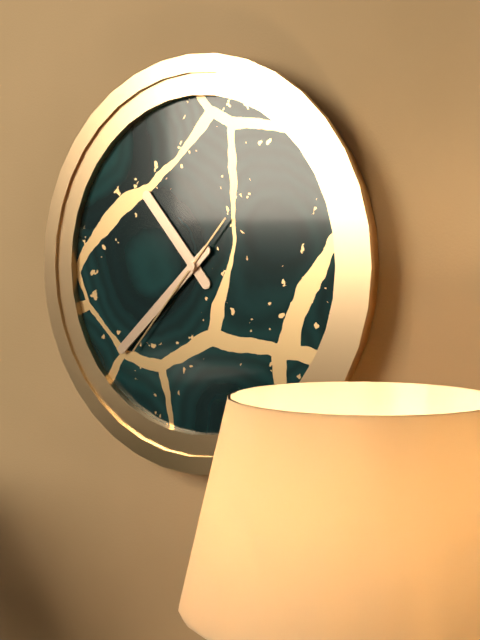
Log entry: 10:38:37
